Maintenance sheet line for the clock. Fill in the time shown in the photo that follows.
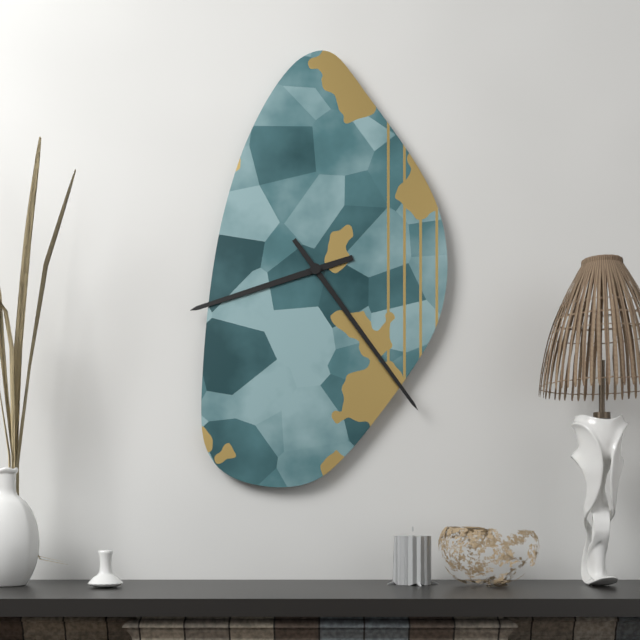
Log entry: 8:24
